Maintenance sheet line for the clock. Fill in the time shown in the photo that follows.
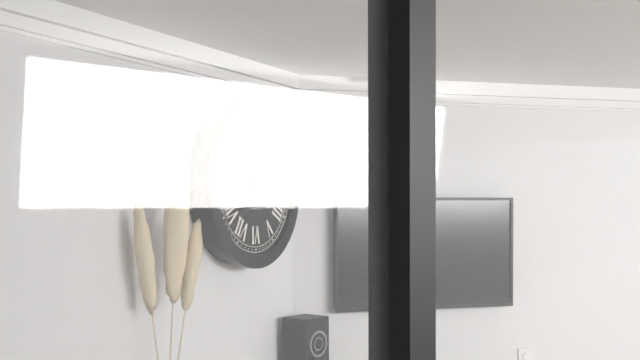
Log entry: 4:01
